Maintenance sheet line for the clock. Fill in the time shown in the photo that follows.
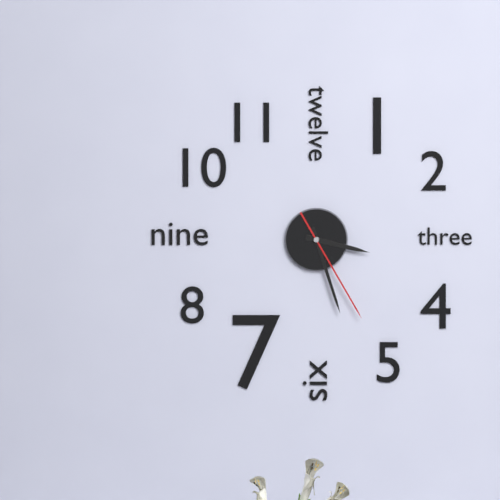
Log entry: 3:27:25
